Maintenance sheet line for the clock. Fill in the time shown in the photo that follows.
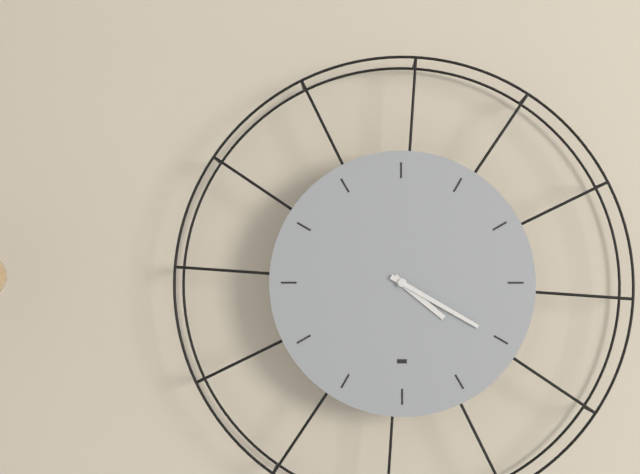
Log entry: 4:20
